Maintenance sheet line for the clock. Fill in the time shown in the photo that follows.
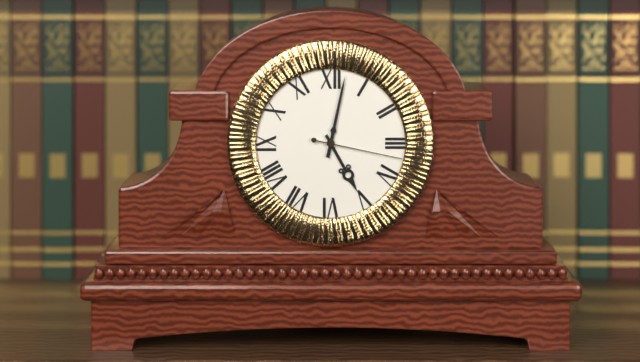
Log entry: 5:02:17
